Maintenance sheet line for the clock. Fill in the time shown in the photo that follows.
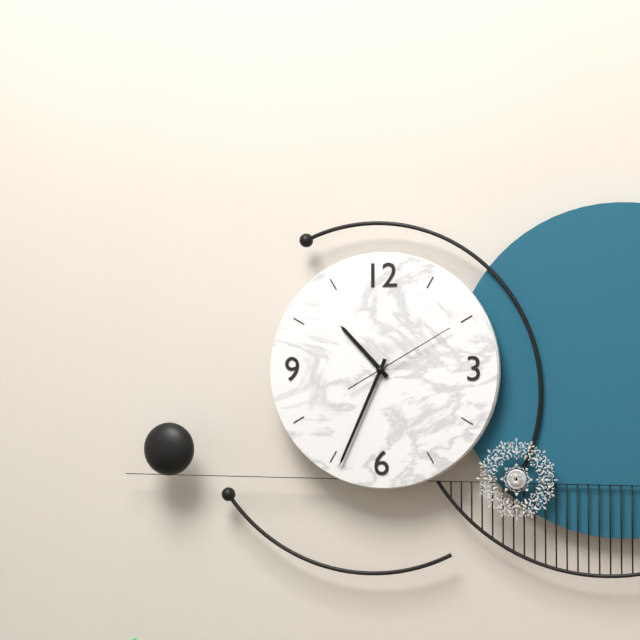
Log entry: 10:34:10
